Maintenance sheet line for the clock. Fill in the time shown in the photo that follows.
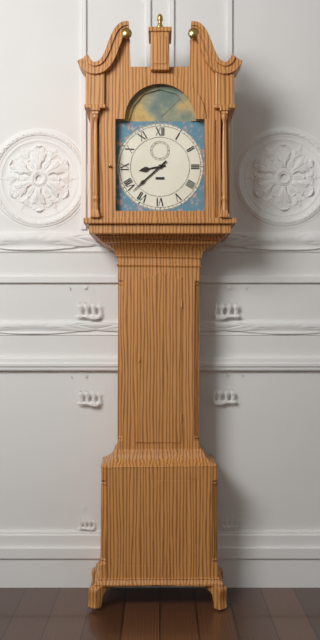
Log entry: 8:38
